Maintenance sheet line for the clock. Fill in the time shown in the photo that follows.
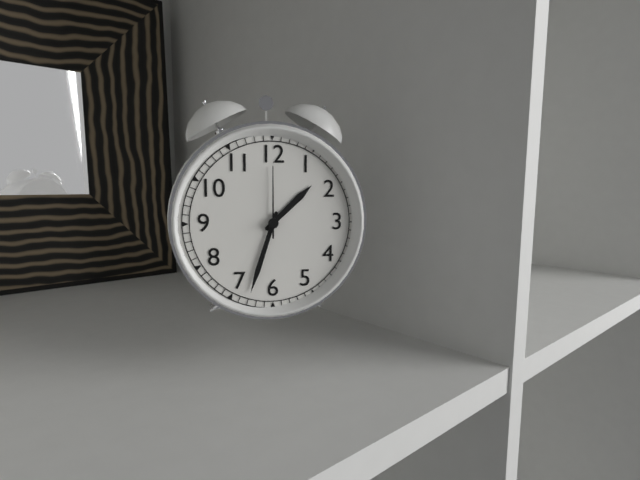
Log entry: 1:33:00
